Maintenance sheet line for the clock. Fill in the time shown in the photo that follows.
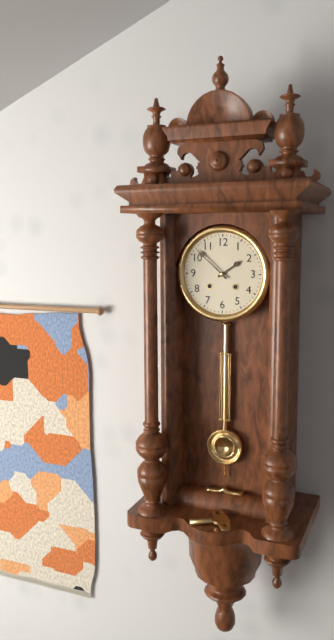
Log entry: 1:52
